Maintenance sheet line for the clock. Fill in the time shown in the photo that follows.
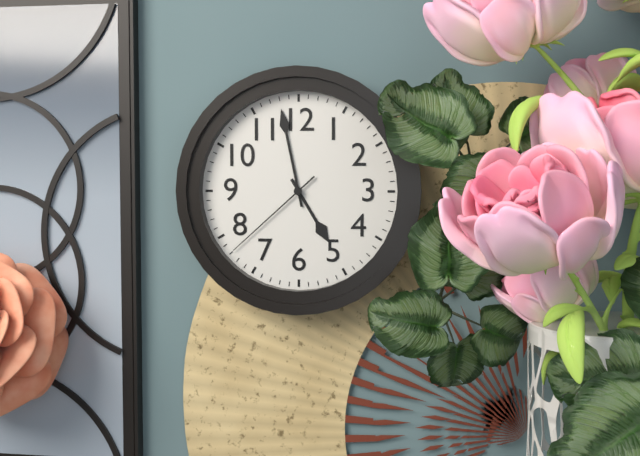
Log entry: 4:58:38
